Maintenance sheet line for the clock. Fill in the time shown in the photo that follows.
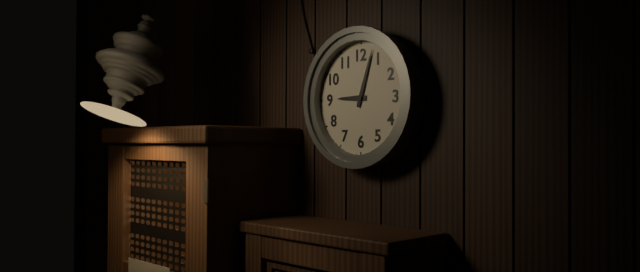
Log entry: 9:03
